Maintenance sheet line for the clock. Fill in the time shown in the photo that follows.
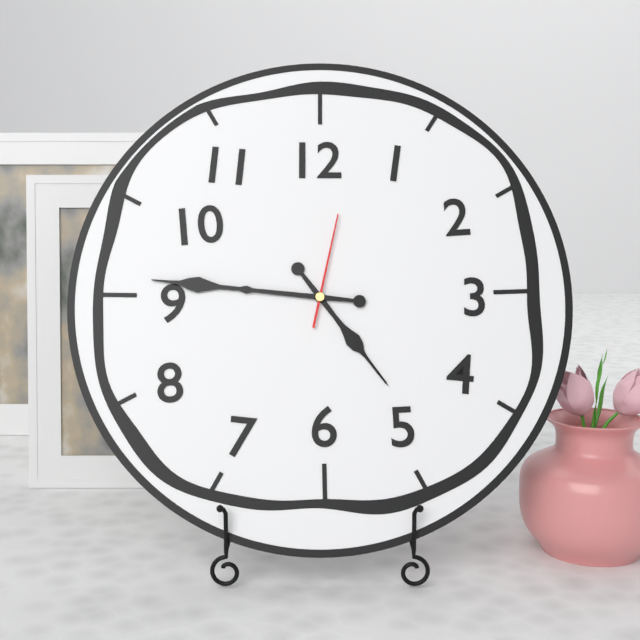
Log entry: 4:46:02
